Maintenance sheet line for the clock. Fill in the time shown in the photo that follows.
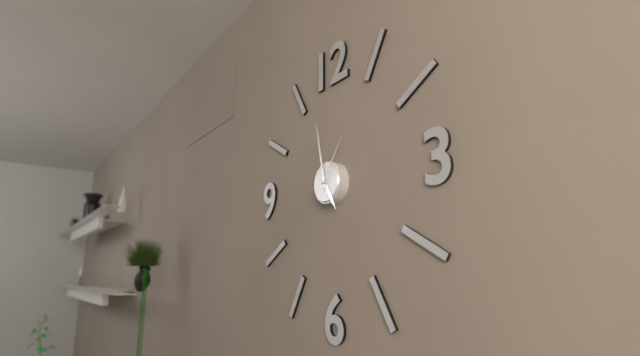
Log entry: 4:58:06
